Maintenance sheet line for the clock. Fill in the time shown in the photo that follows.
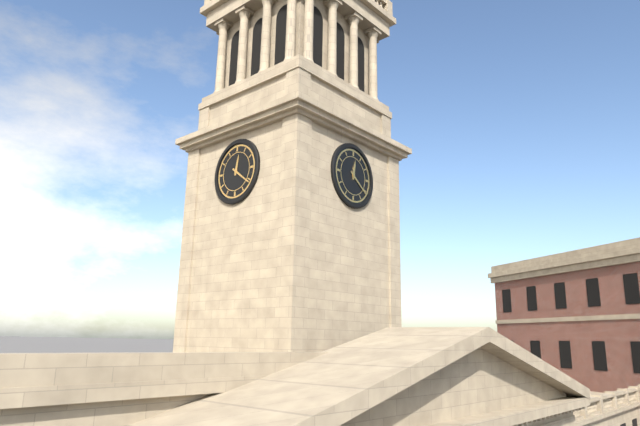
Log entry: 12:21
